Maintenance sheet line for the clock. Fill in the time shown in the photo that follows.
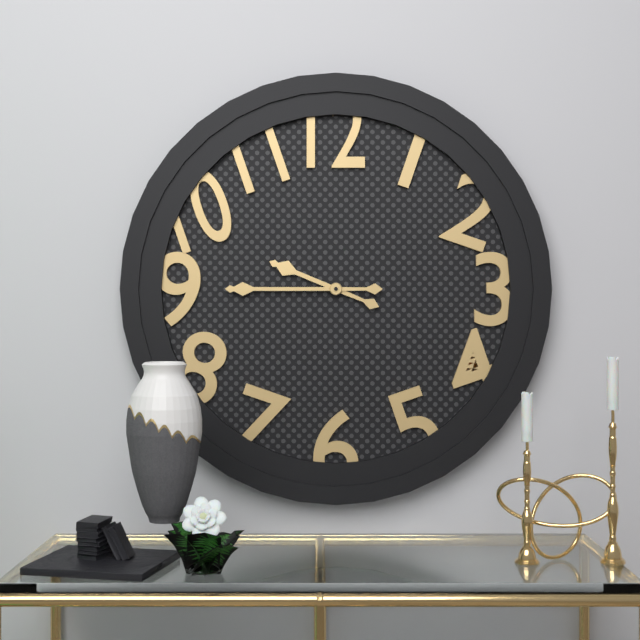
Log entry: 9:45
